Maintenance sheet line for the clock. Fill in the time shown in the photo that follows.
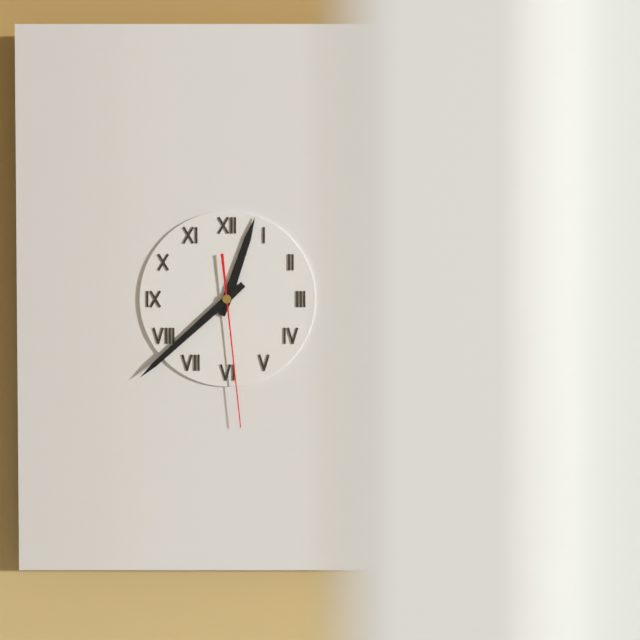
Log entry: 12:38:29
